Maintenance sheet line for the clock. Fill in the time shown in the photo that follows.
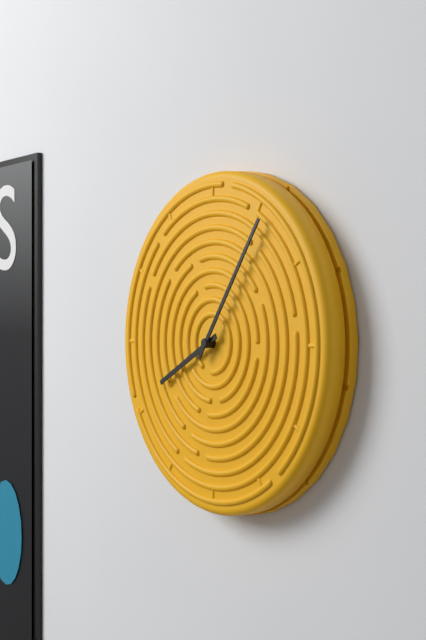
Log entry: 8:06
